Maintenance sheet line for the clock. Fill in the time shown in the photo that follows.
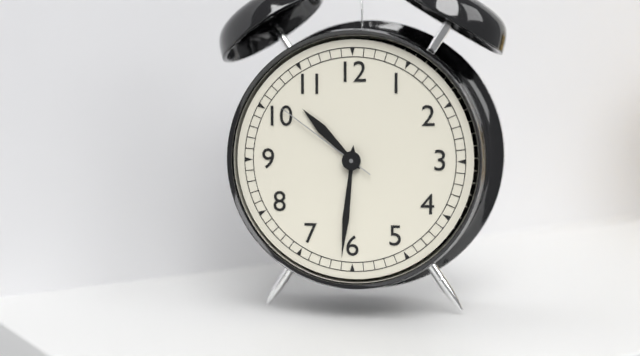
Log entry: 10:31:51
